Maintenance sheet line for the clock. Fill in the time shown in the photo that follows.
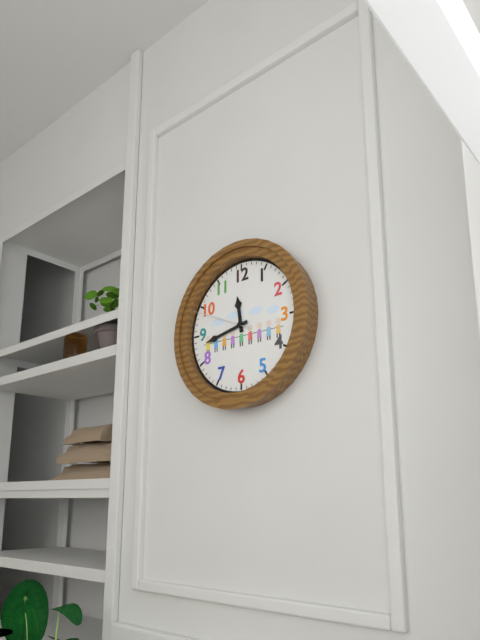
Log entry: 11:43:49
